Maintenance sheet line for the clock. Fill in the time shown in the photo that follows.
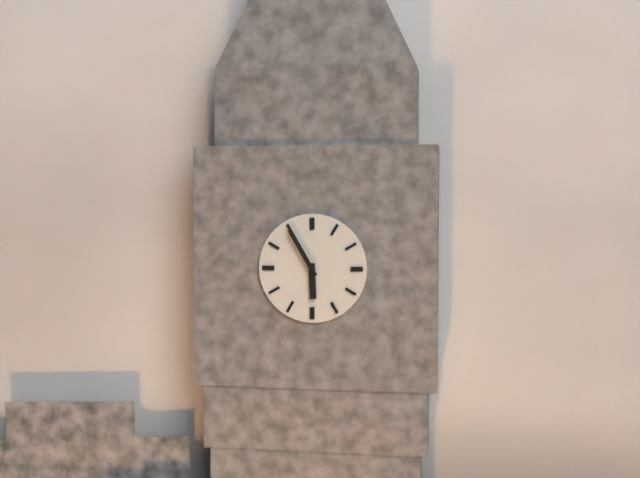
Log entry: 5:55
